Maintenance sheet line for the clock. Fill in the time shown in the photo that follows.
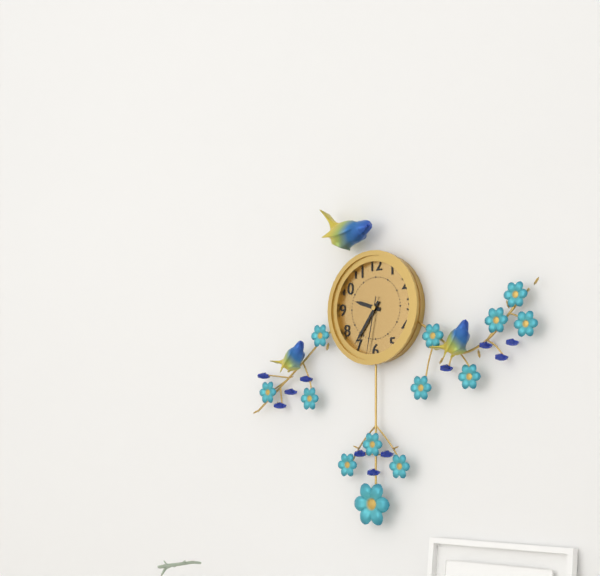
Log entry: 9:36:32
